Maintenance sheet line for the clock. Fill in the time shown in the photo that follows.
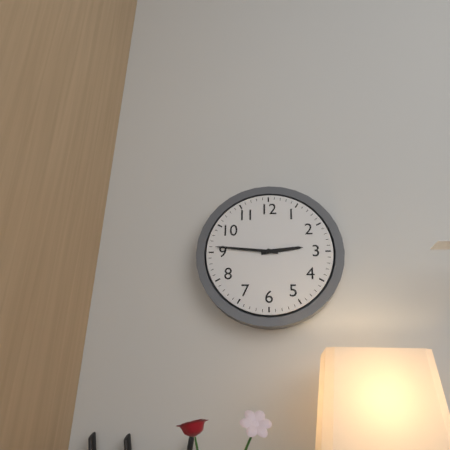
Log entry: 2:46
